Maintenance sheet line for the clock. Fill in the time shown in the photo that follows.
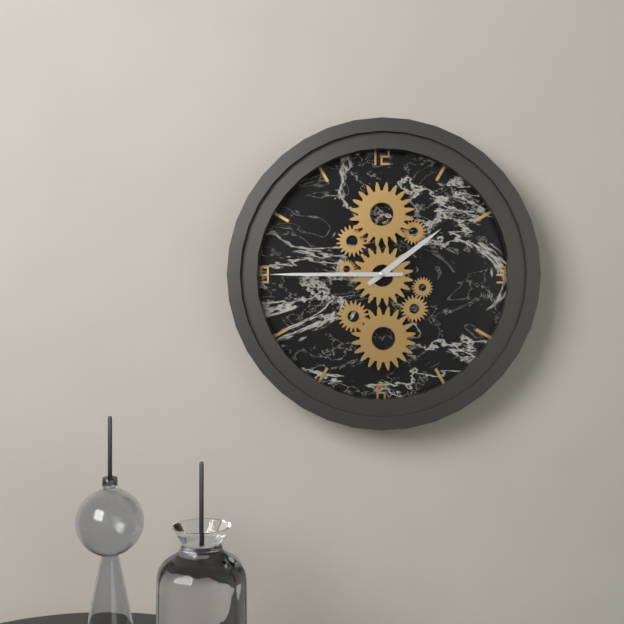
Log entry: 1:45
